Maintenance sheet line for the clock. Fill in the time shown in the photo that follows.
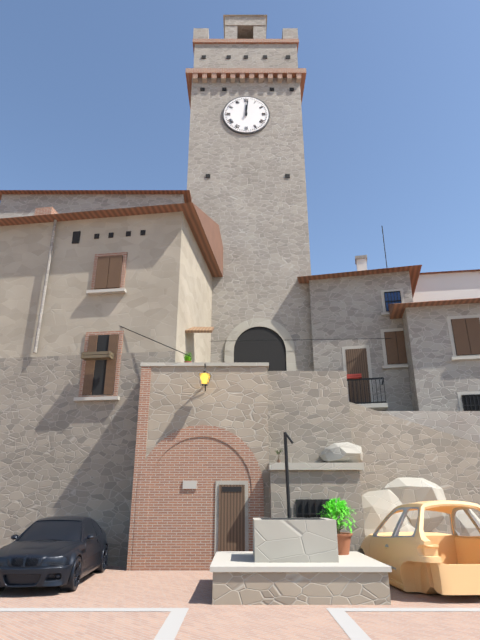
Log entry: 12:01
